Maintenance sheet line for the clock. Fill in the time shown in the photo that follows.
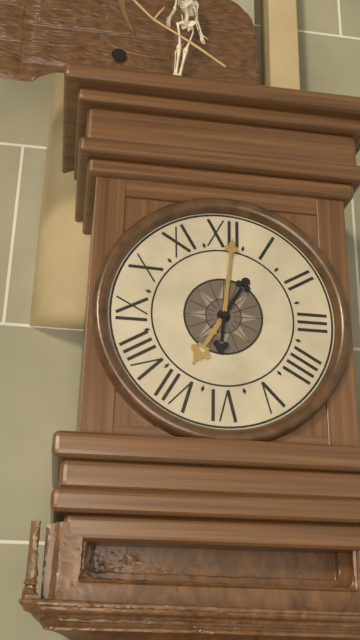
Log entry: 7:01
